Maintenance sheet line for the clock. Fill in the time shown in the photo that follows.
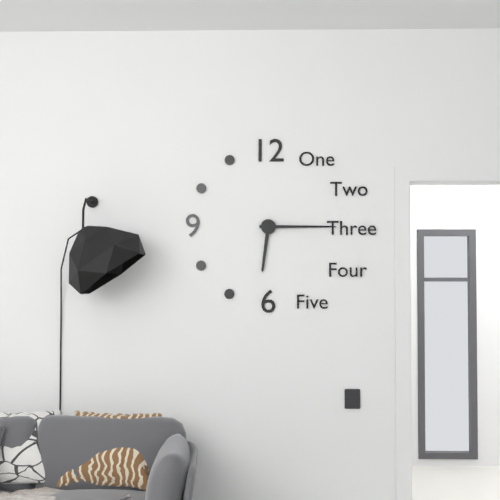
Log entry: 6:15
